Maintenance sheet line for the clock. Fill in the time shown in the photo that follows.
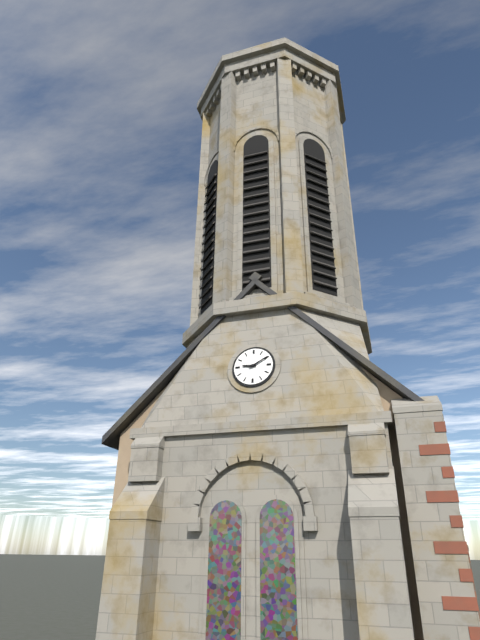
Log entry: 9:10
